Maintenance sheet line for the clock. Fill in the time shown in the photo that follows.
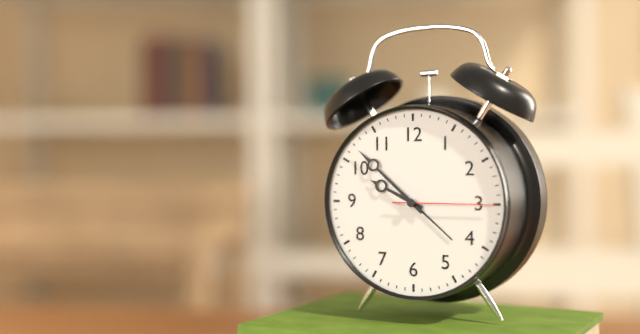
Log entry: 9:52:15
